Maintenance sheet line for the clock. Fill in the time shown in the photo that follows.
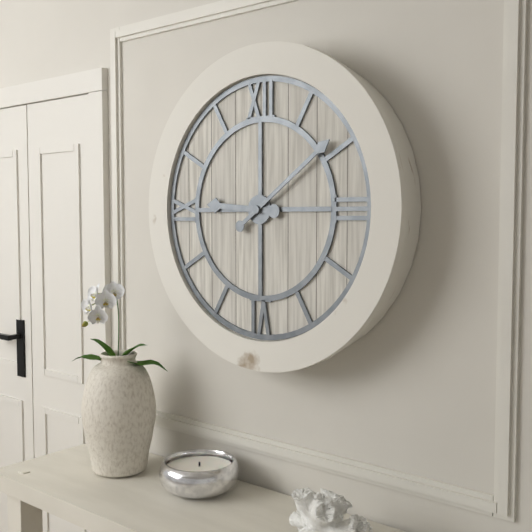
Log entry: 9:09
